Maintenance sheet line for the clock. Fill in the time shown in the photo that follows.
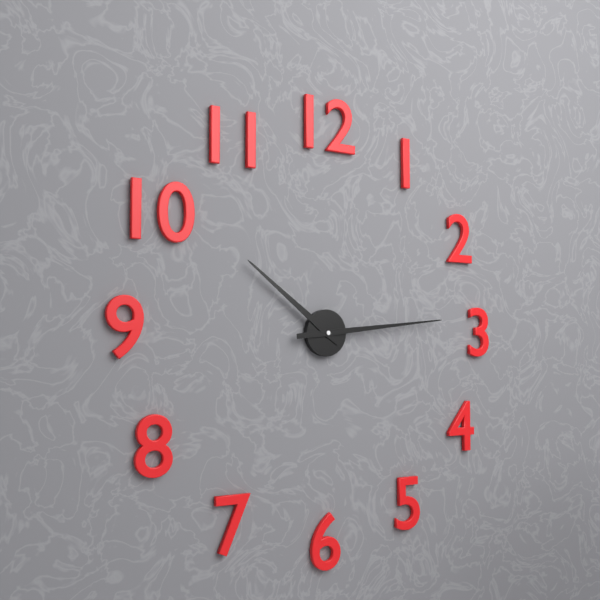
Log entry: 10:14
